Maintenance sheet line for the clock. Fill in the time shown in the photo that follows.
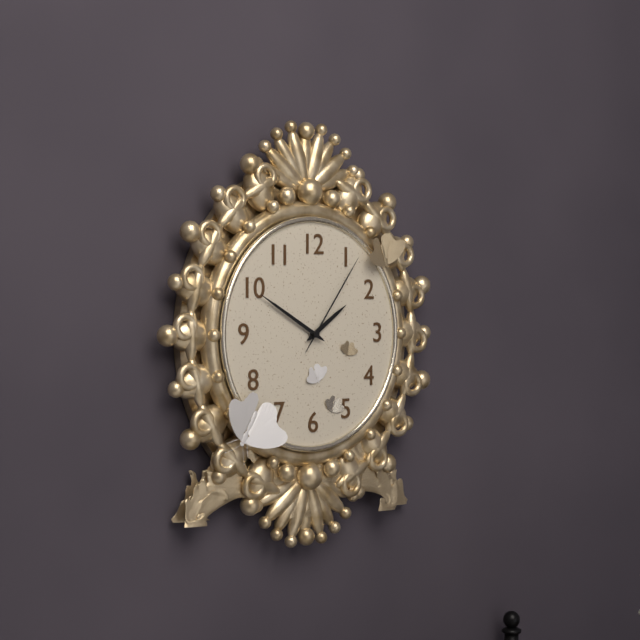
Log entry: 1:50:06
